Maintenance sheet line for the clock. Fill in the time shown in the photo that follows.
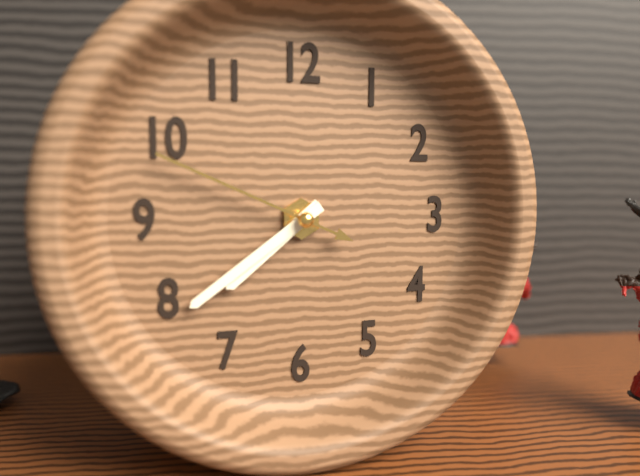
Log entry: 7:39:49
